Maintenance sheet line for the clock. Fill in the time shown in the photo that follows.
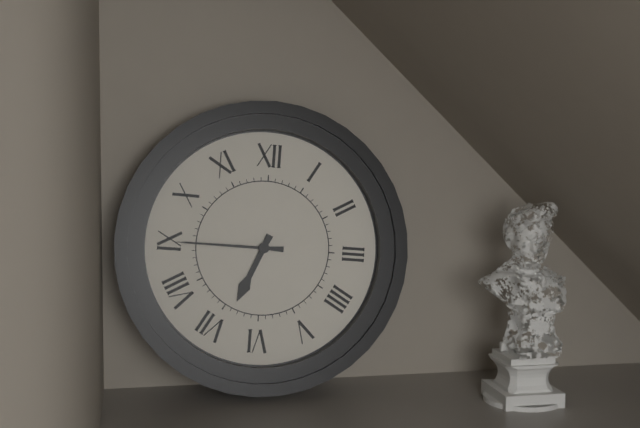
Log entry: 6:45
